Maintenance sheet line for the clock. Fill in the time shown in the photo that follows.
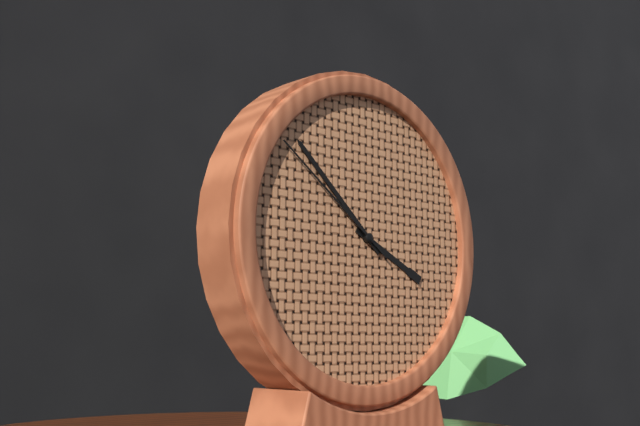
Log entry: 3:52:51
